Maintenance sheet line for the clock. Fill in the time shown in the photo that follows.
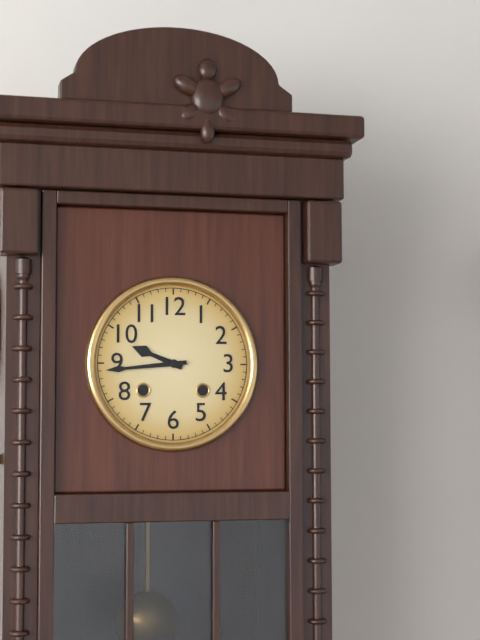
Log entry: 9:44
